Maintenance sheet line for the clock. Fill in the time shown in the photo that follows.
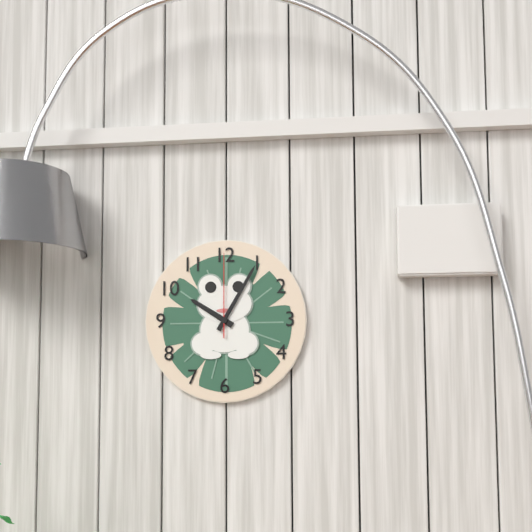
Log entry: 10:05:00
